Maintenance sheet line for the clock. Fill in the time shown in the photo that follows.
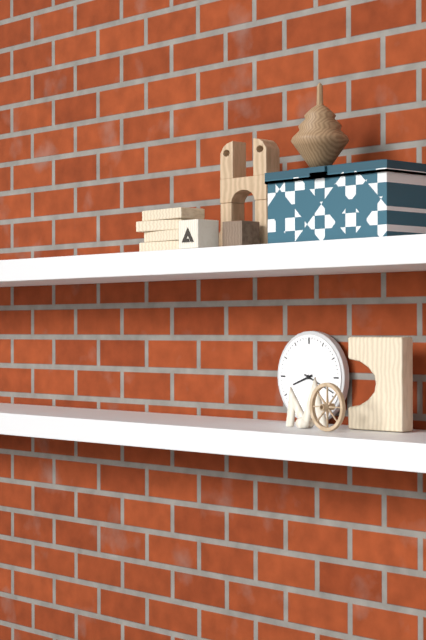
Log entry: 8:19
